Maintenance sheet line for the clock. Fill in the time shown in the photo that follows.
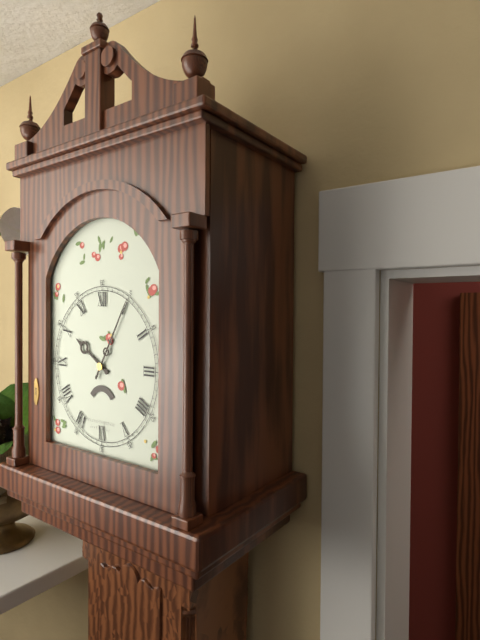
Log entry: 10:05
